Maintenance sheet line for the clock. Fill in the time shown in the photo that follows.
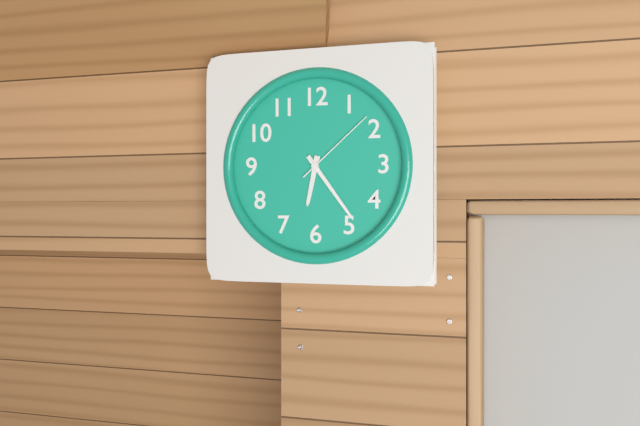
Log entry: 6:24:08
